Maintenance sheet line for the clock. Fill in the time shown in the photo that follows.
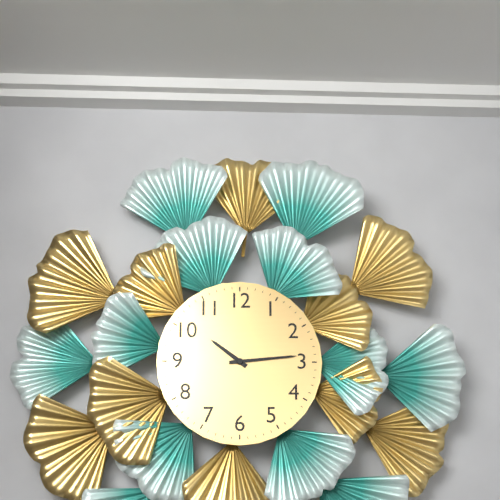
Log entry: 10:14
